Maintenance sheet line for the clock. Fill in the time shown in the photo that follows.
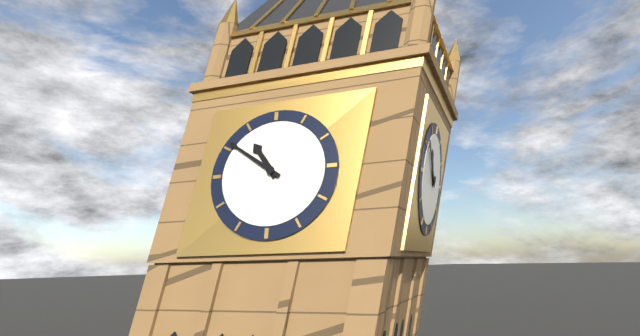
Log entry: 10:51
